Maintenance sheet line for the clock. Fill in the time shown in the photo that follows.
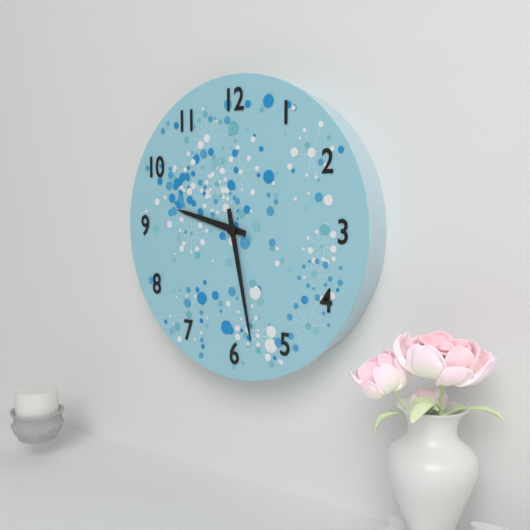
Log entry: 9:28
